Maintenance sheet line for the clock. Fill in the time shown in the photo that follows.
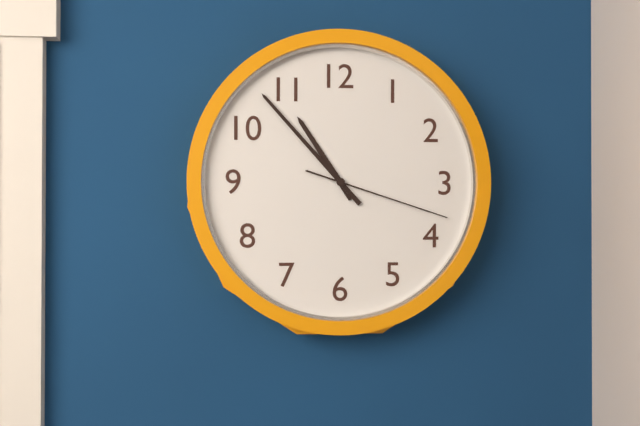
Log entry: 10:53:18
